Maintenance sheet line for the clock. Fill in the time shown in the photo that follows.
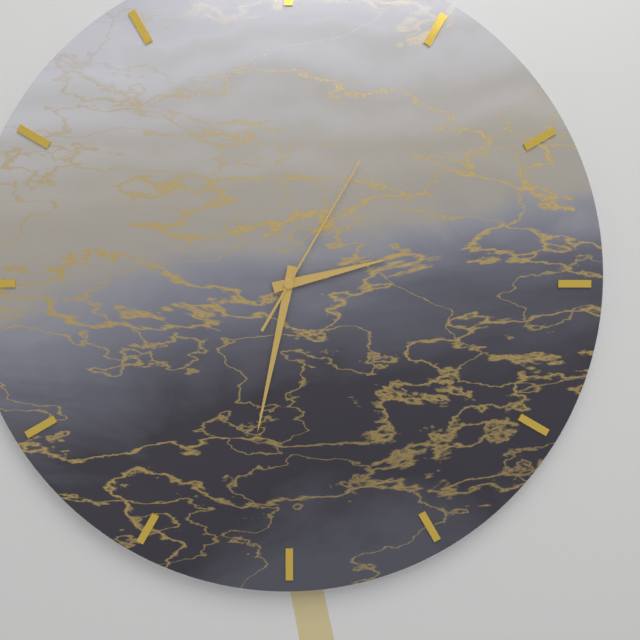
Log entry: 2:32:05
